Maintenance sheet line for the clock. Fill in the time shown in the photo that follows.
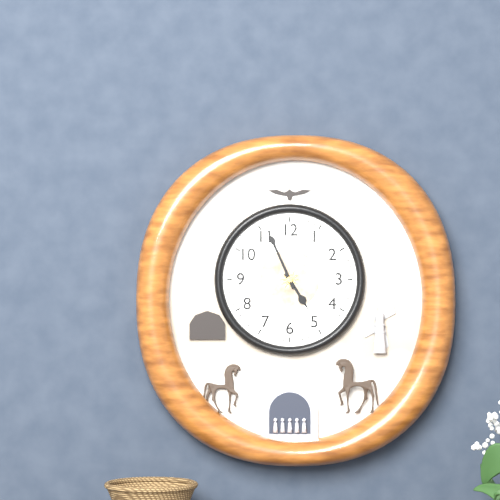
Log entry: 4:56
